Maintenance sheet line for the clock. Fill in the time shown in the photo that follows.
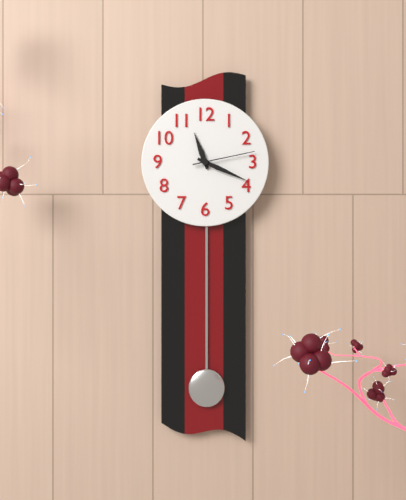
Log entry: 11:19:13
